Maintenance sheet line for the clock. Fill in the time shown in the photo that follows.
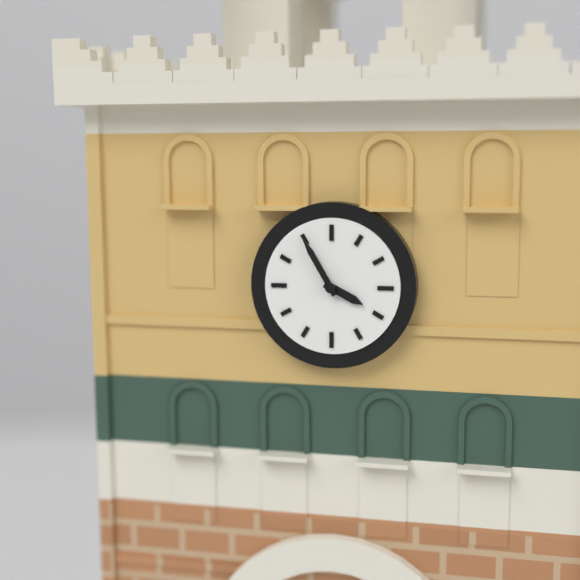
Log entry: 3:55
